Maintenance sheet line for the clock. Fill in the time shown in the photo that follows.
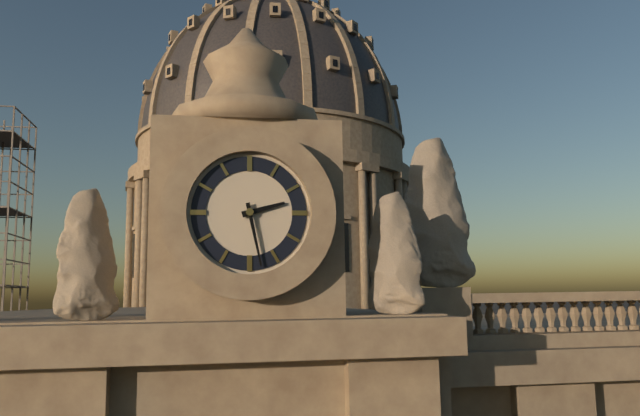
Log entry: 2:28
